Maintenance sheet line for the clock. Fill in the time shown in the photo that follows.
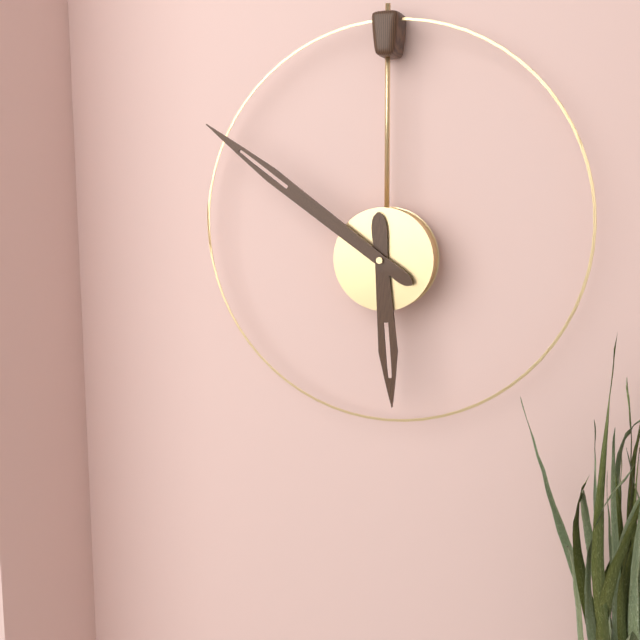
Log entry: 5:51
